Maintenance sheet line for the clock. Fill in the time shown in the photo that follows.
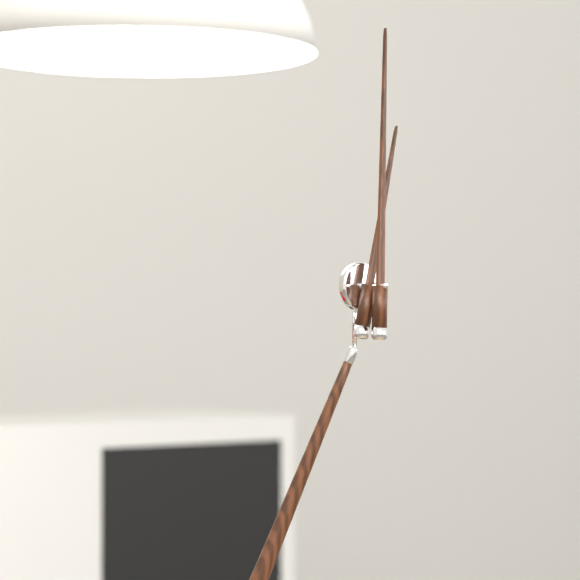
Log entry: 11:58
